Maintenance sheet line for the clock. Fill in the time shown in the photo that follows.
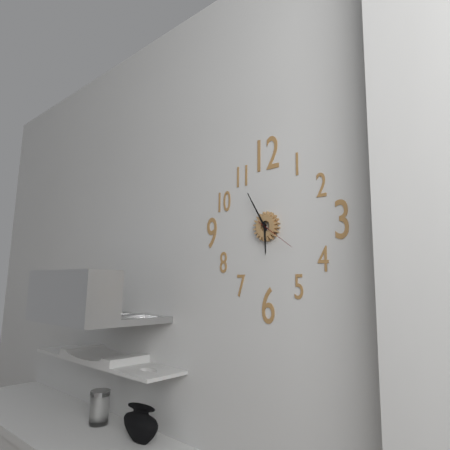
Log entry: 5:55
